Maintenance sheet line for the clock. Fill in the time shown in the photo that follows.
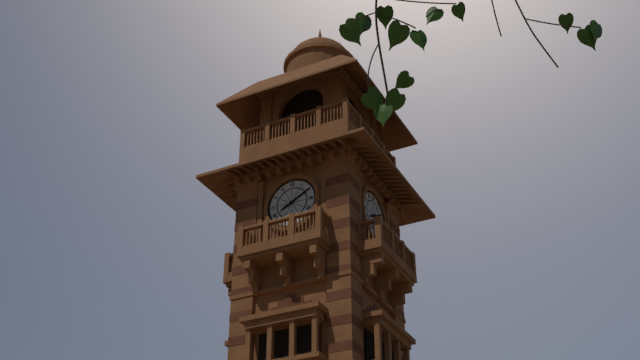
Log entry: 8:10
